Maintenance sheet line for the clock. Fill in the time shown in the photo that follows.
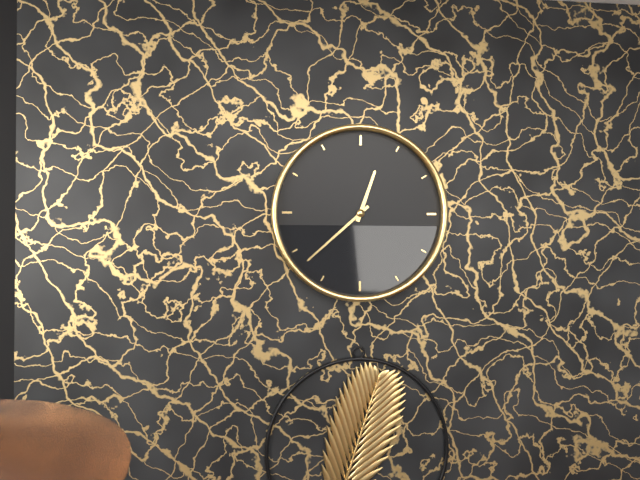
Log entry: 12:38
